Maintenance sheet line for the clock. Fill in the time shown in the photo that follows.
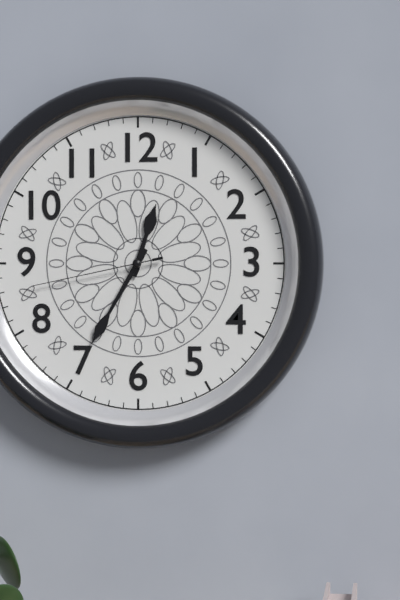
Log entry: 12:35:43
